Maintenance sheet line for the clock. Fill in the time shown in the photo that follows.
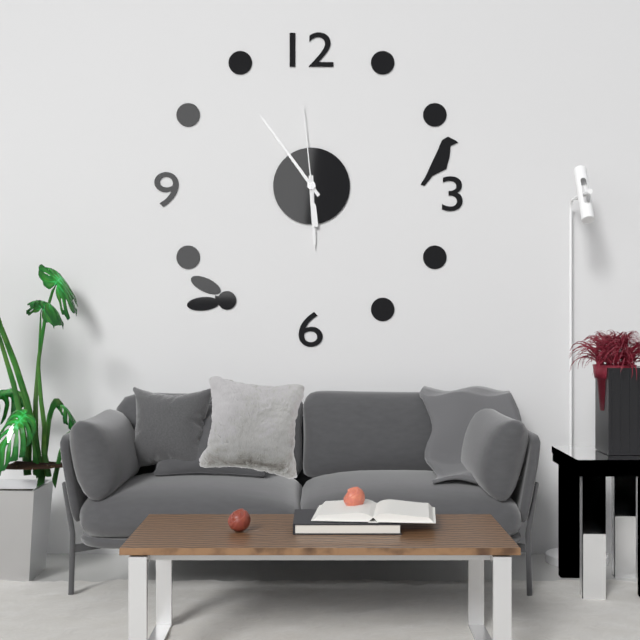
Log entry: 5:54:59
